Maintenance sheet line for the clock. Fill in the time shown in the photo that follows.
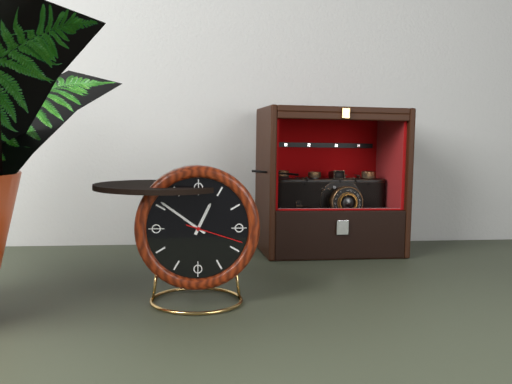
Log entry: 12:51:18
